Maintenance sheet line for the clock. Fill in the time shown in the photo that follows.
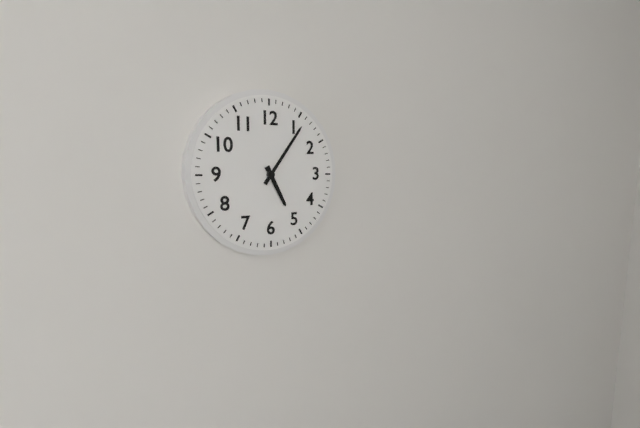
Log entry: 5:06
